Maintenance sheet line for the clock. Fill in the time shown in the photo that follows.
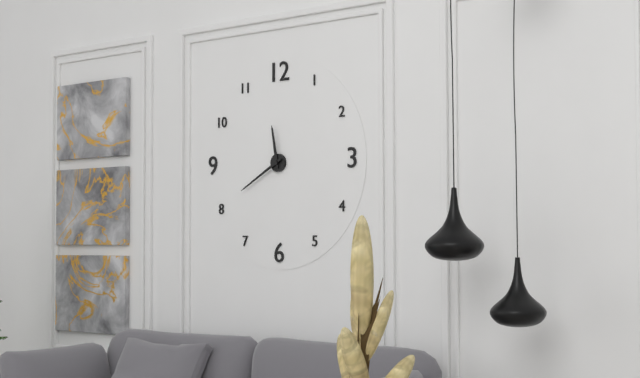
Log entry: 11:40
